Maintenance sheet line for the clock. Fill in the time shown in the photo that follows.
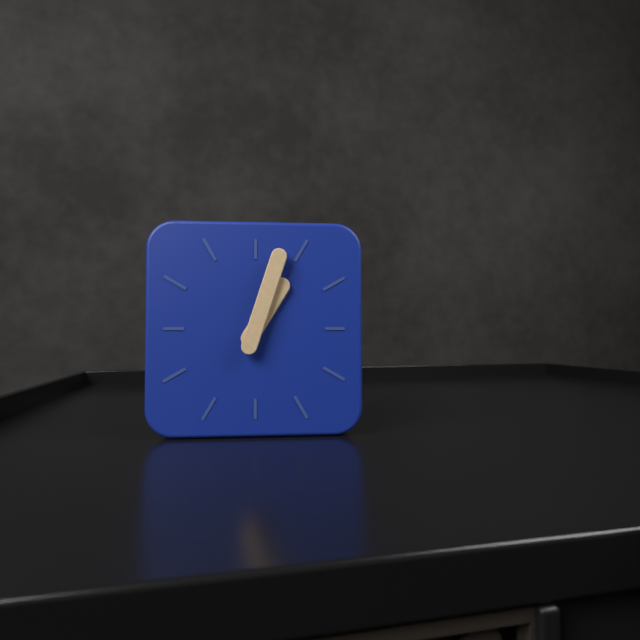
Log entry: 1:03
